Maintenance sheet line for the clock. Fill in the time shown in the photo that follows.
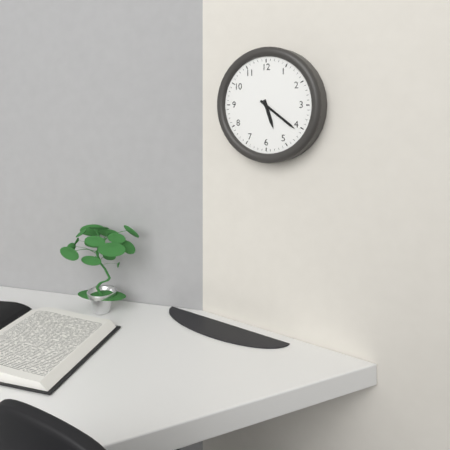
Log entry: 5:21
